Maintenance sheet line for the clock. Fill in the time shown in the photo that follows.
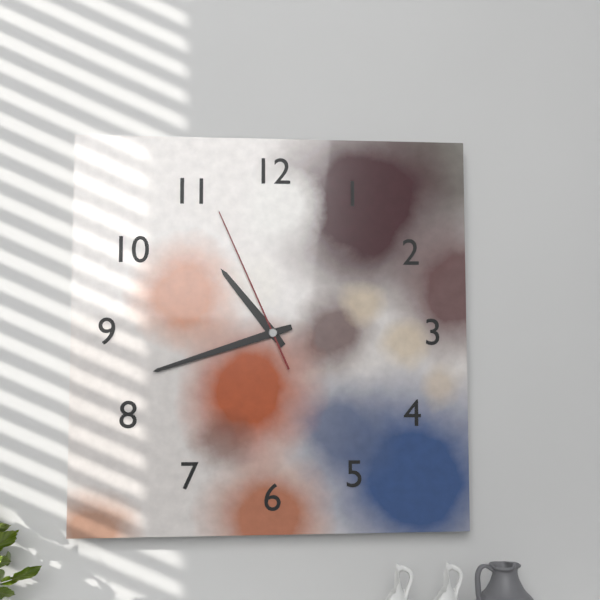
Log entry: 10:42:56
